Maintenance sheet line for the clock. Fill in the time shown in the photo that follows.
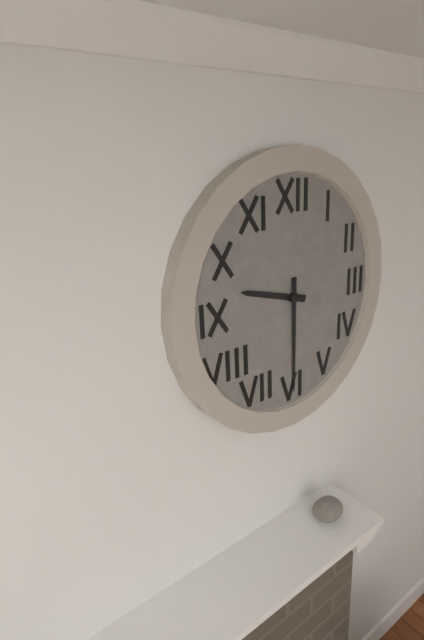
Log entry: 9:30
